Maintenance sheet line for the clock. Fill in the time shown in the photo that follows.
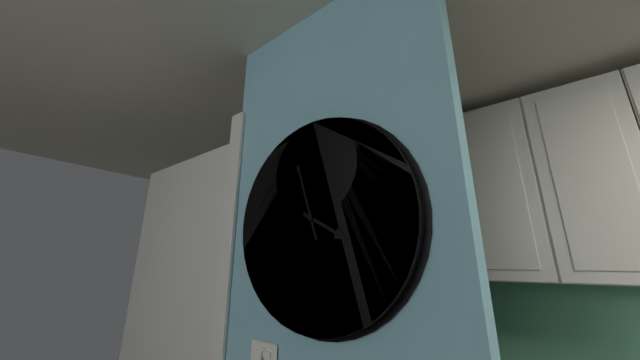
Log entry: 3:57
